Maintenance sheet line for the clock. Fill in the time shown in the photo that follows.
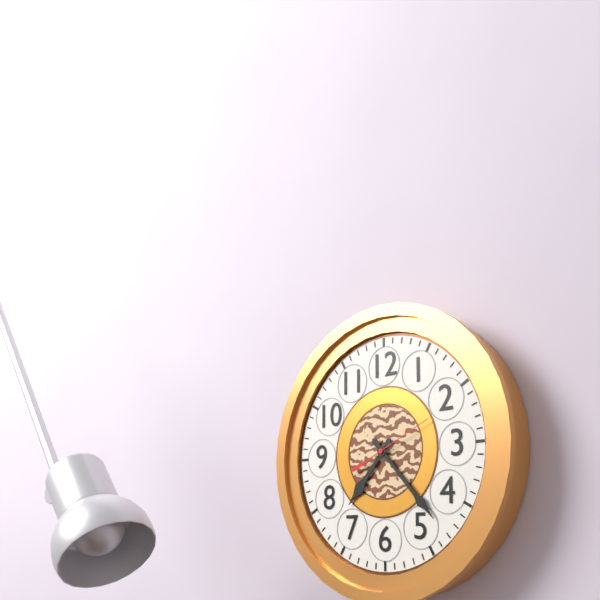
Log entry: 7:23:11
